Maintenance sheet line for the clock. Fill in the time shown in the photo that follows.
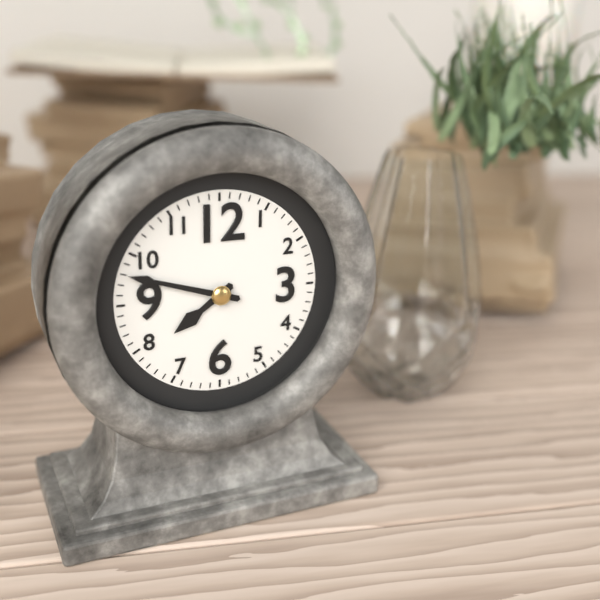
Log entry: 7:48
